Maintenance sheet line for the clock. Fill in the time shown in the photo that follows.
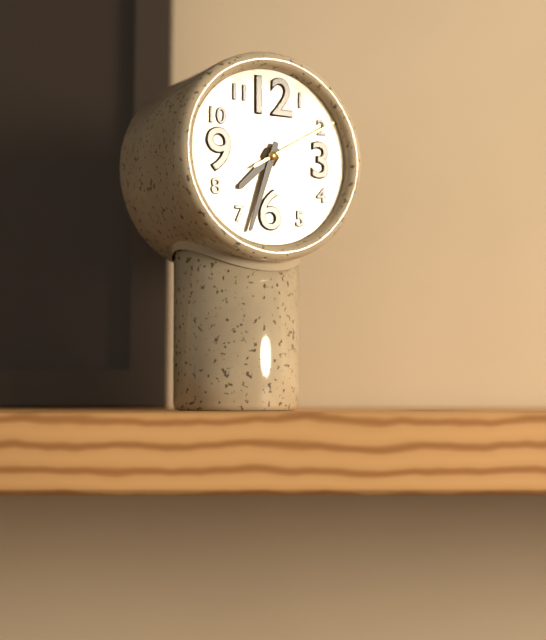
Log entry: 7:33:10
